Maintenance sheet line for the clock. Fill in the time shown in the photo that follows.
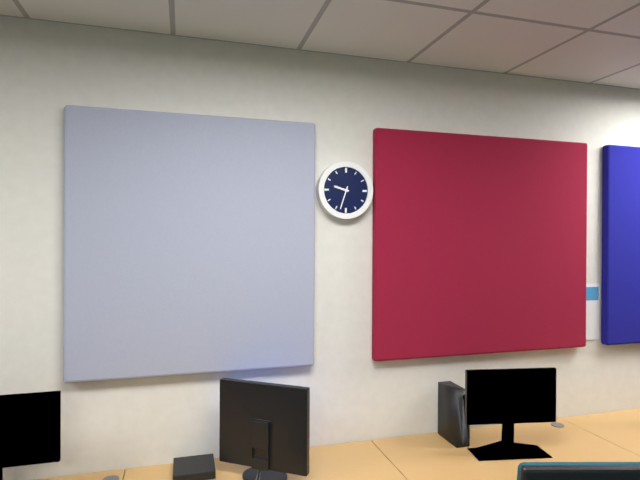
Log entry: 9:33
